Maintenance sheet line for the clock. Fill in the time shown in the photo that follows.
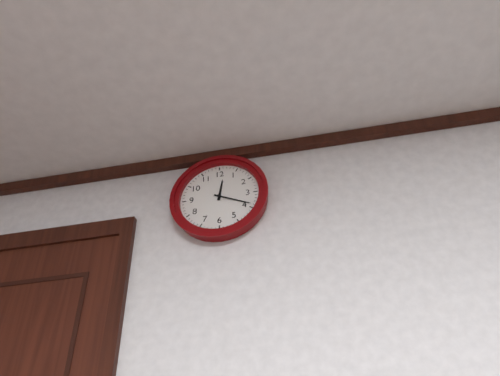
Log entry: 12:19
